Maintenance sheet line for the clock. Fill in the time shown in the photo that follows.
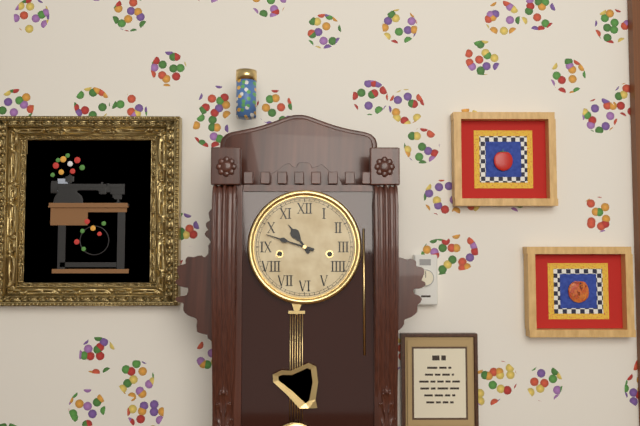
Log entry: 10:48
